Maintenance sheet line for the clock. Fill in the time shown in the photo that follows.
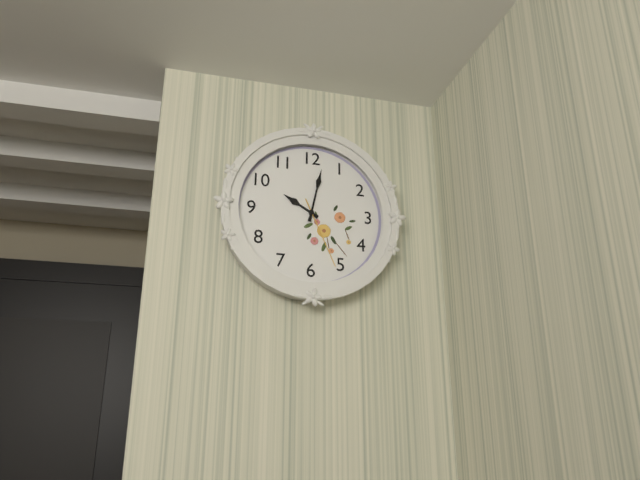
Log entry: 10:02:26
